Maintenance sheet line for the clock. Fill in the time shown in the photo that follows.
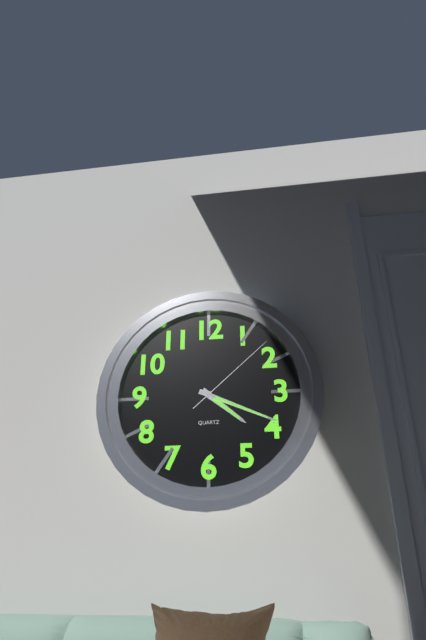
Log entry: 4:19:08
